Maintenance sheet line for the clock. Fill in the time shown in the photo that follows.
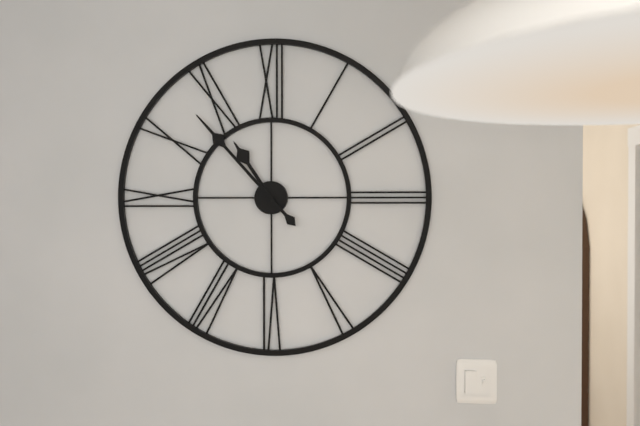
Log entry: 10:53
